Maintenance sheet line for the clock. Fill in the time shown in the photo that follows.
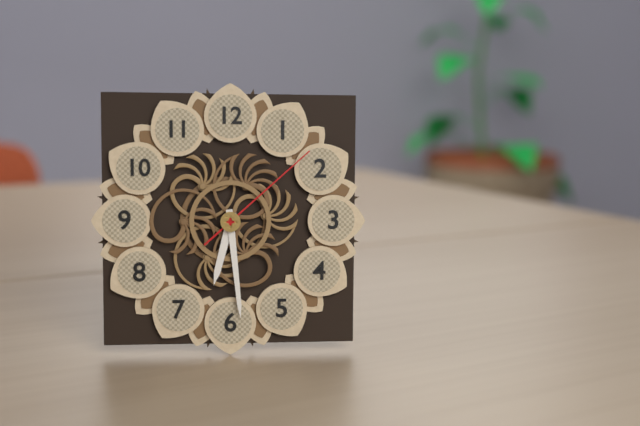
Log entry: 6:29:08
